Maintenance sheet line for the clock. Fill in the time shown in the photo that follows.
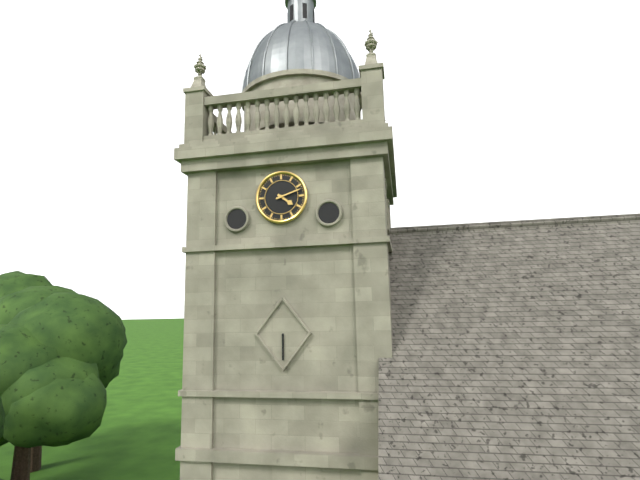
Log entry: 4:12
